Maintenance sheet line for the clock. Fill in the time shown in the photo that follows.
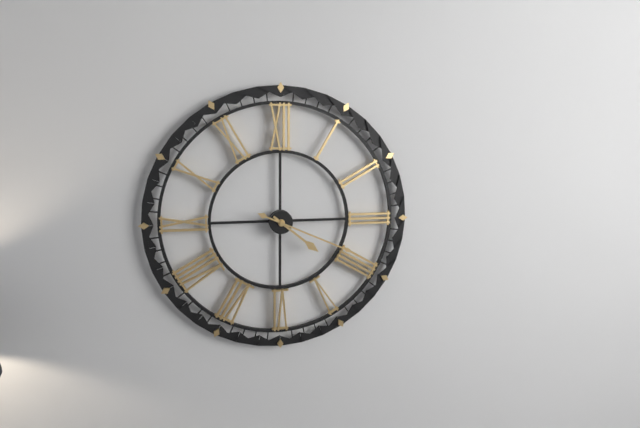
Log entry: 4:19
